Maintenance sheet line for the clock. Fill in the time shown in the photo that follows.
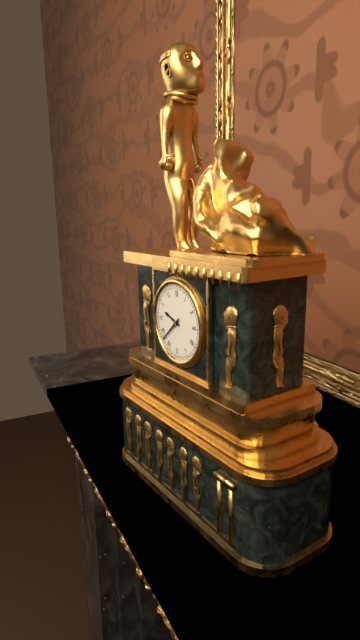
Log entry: 9:38
